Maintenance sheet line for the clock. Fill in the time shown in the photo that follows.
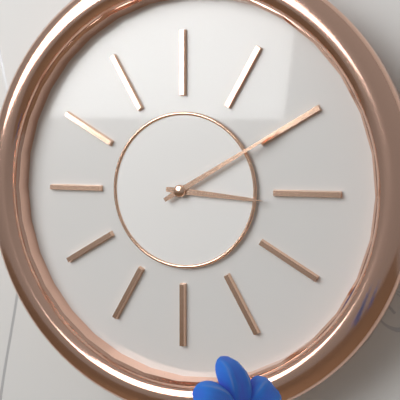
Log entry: 3:10
